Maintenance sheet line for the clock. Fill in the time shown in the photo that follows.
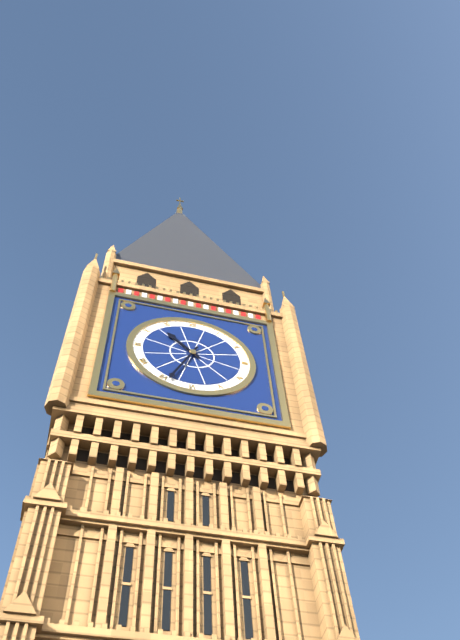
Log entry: 10:34
